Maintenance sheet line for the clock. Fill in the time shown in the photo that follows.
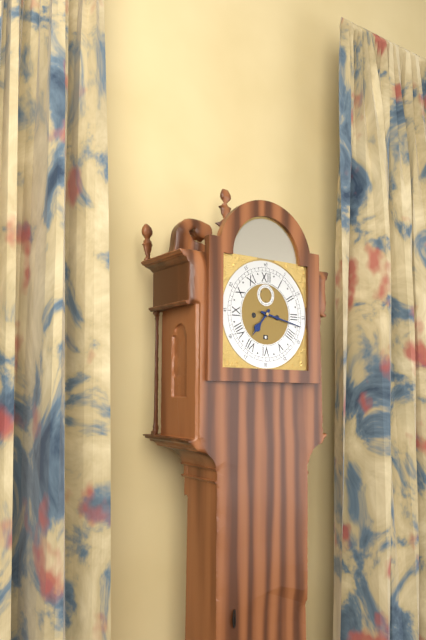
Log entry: 7:17
